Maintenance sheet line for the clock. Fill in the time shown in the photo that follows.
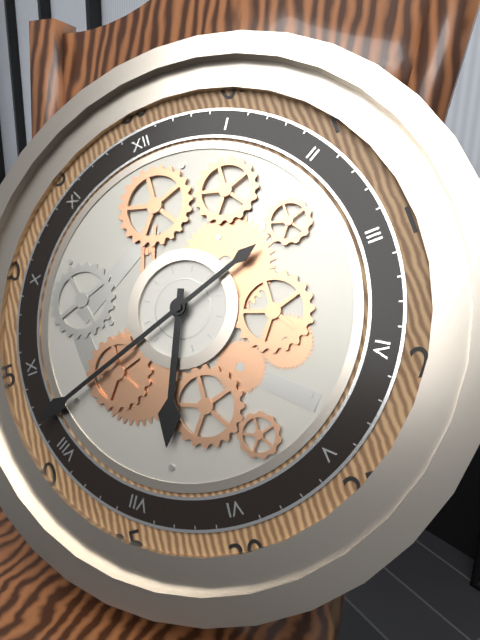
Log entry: 6:42
